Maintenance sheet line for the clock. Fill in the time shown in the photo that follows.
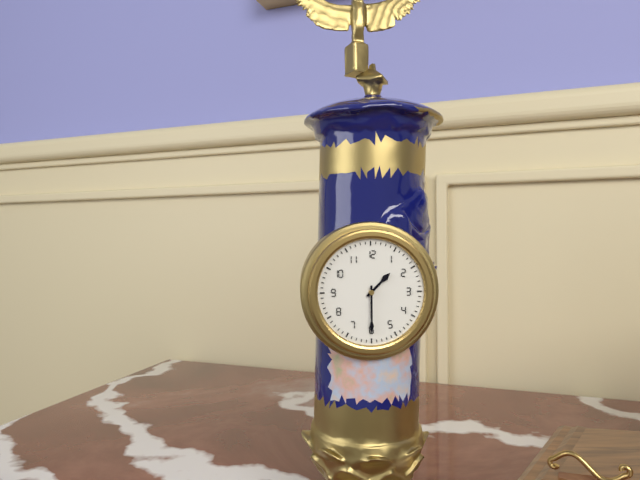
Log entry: 1:30
